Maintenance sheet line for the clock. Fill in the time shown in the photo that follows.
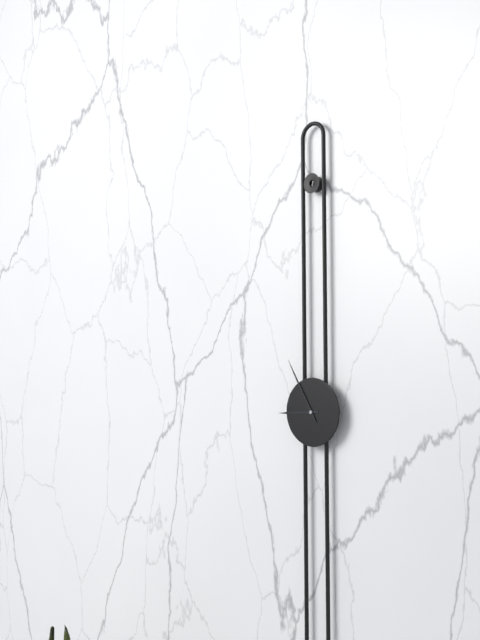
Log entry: 8:55
